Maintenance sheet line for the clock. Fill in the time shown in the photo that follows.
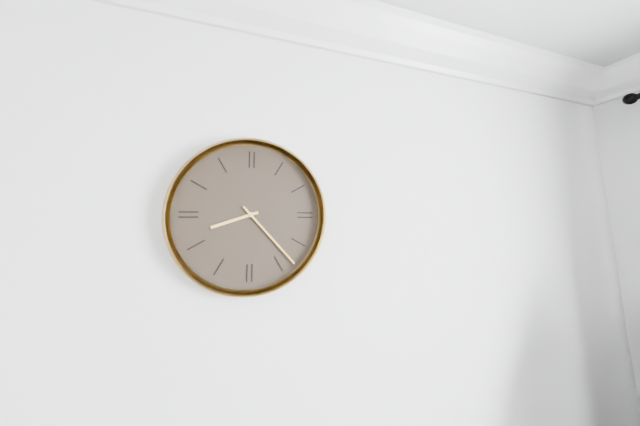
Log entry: 8:23
